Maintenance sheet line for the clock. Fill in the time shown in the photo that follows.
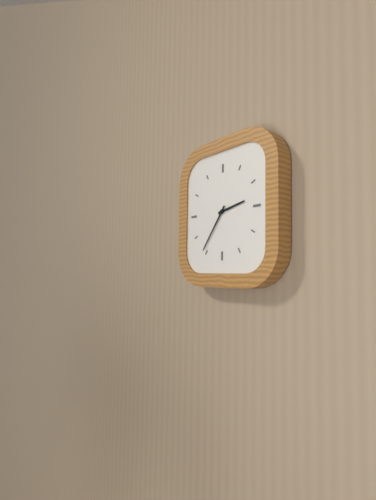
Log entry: 2:36
